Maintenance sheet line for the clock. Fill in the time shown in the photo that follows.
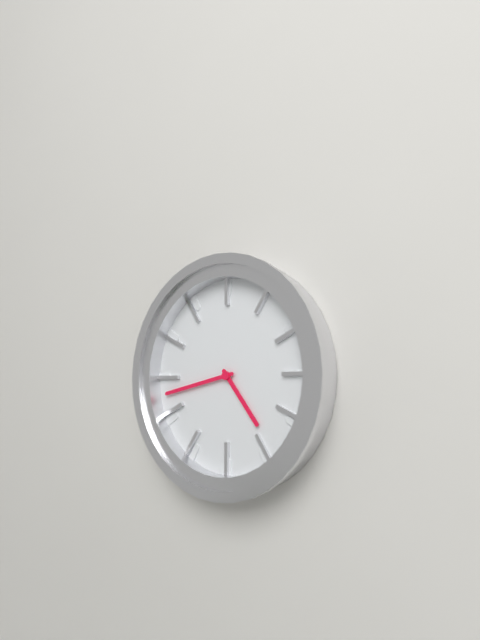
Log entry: 4:43
